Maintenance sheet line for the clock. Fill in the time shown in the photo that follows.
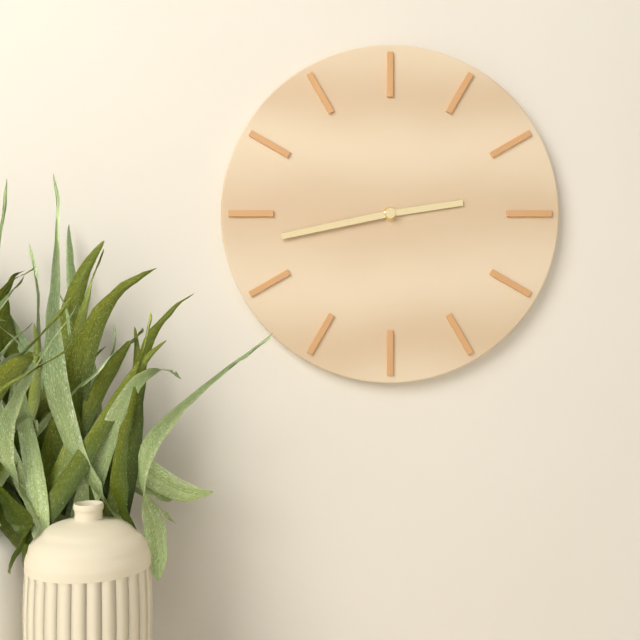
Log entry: 2:43
